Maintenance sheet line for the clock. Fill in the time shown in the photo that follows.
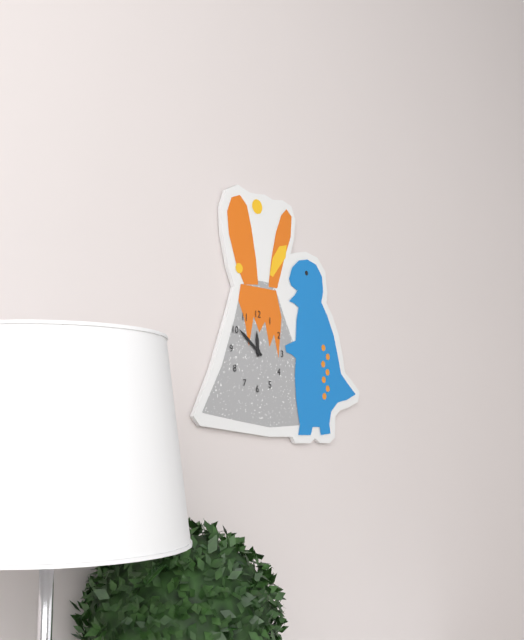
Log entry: 11:51
